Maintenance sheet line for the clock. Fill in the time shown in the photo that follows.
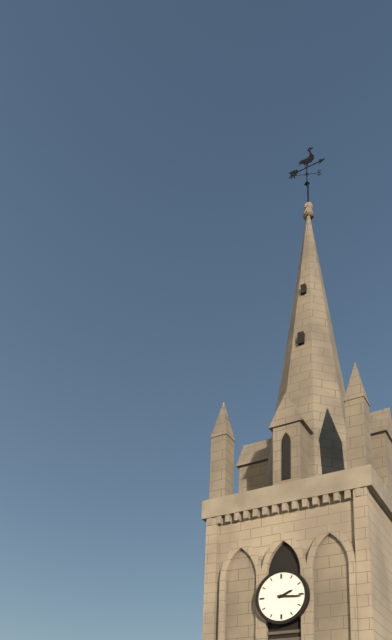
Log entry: 2:16
